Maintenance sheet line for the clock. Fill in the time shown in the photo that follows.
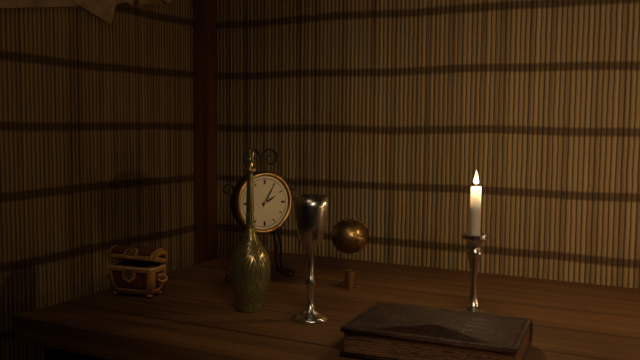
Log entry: 2:05
